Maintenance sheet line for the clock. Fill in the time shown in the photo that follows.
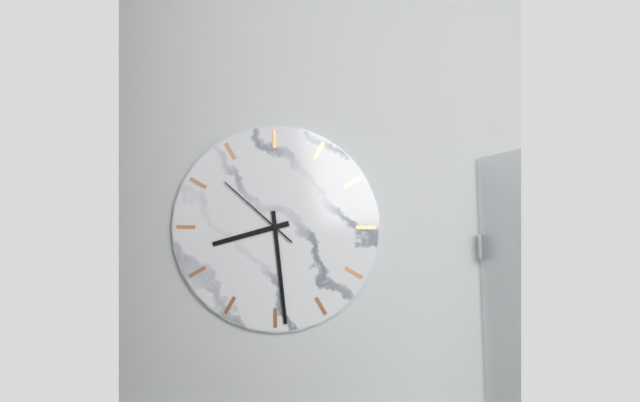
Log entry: 8:29:52
